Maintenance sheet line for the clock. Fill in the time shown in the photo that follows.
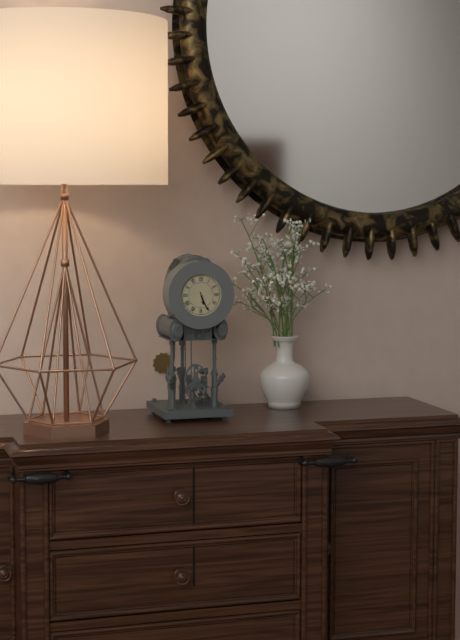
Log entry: 5:26
